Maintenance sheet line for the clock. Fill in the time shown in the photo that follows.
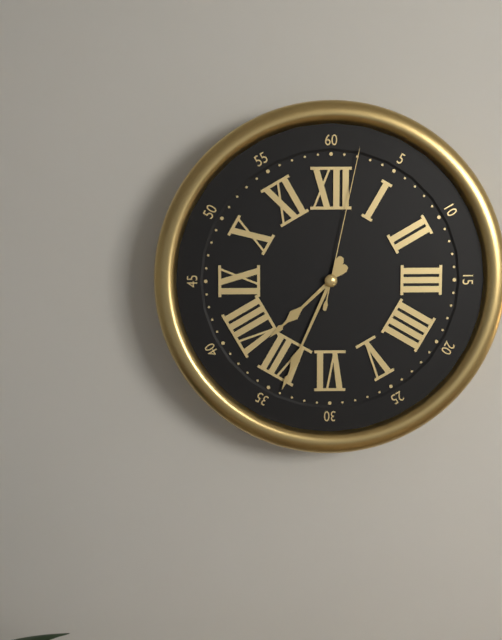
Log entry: 7:34:02
